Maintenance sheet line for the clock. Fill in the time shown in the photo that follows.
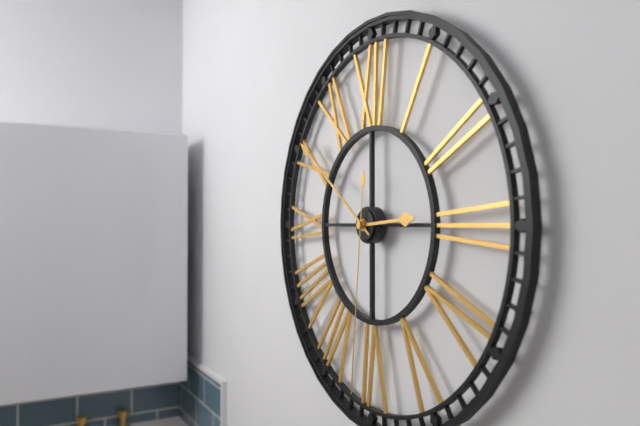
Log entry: 2:51:31
